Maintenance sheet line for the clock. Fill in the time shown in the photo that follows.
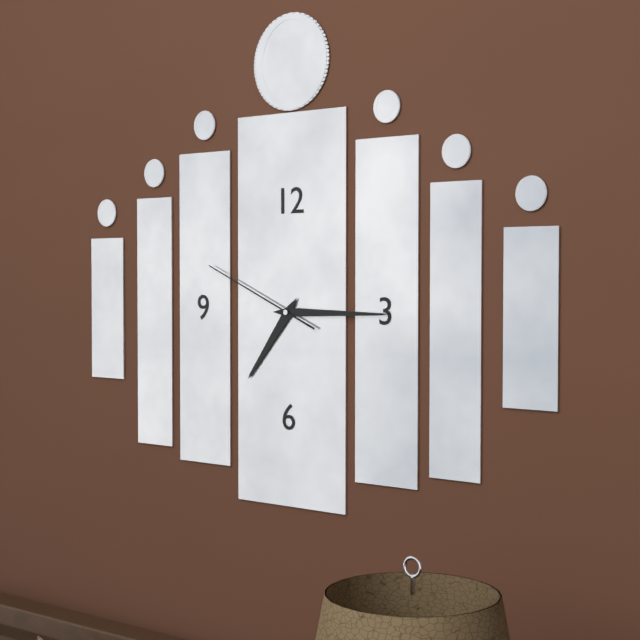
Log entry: 7:15:49
